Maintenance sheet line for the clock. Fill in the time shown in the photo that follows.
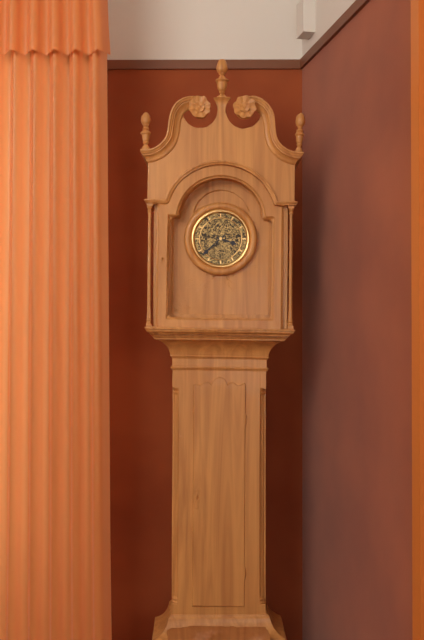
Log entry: 3:38
